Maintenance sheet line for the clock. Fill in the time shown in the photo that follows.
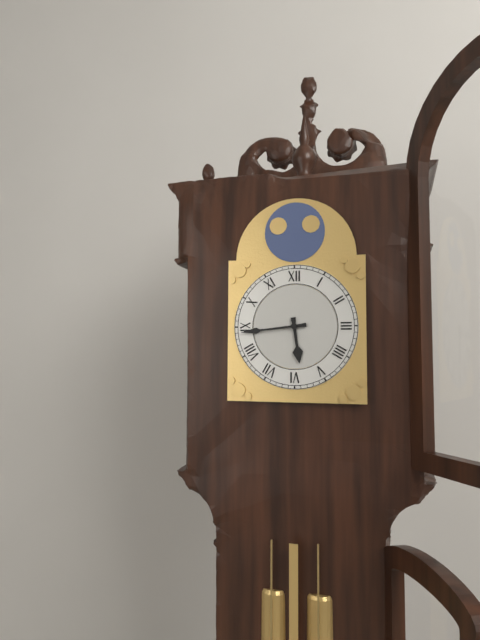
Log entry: 5:44
